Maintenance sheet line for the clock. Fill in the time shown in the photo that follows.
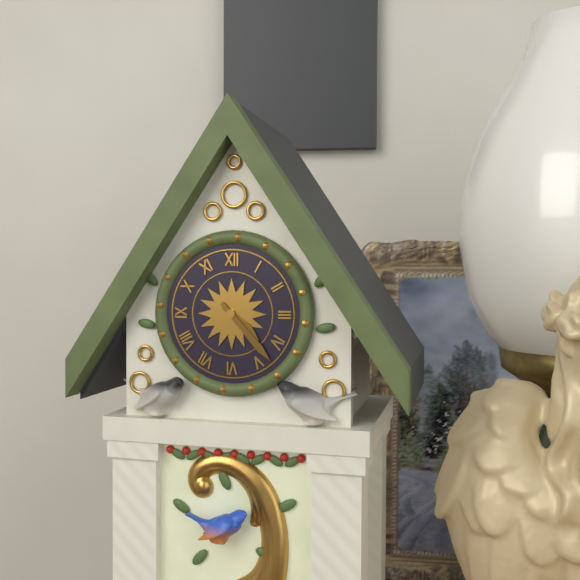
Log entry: 4:23
